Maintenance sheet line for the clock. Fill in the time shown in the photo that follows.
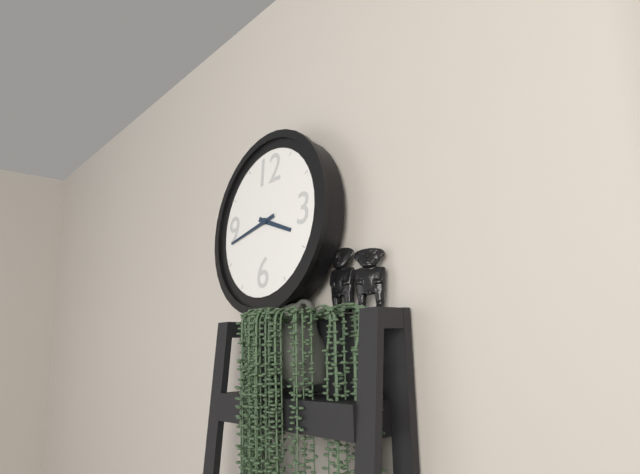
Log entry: 3:43
